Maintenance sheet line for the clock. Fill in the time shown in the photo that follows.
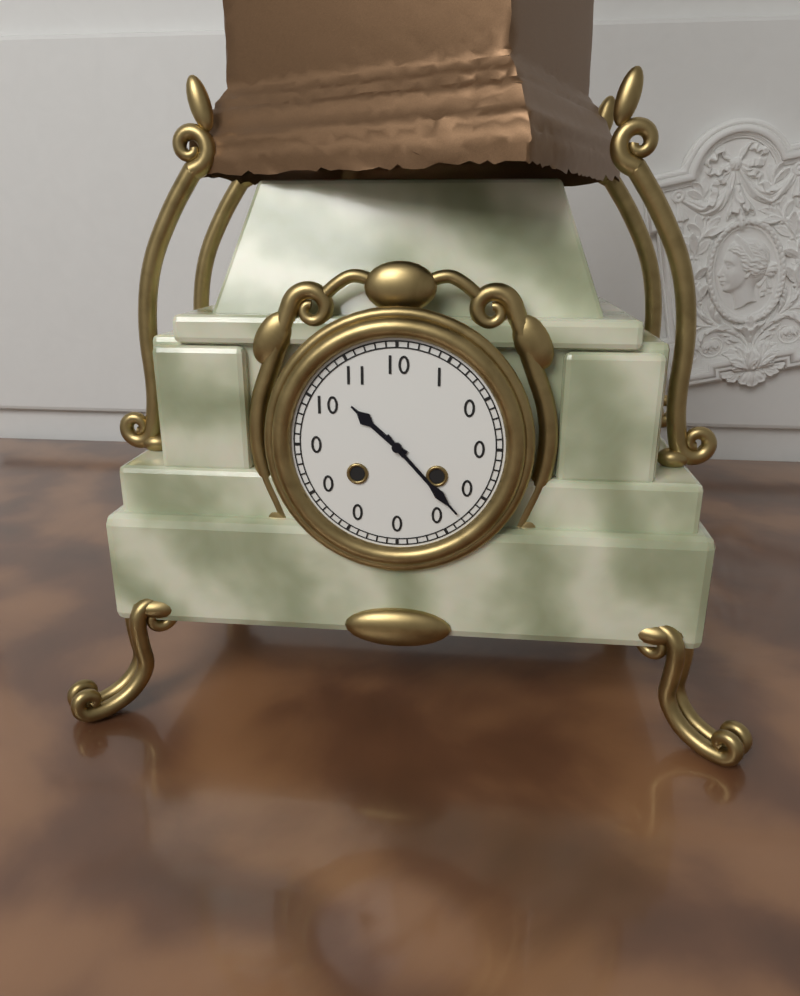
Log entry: 10:23
